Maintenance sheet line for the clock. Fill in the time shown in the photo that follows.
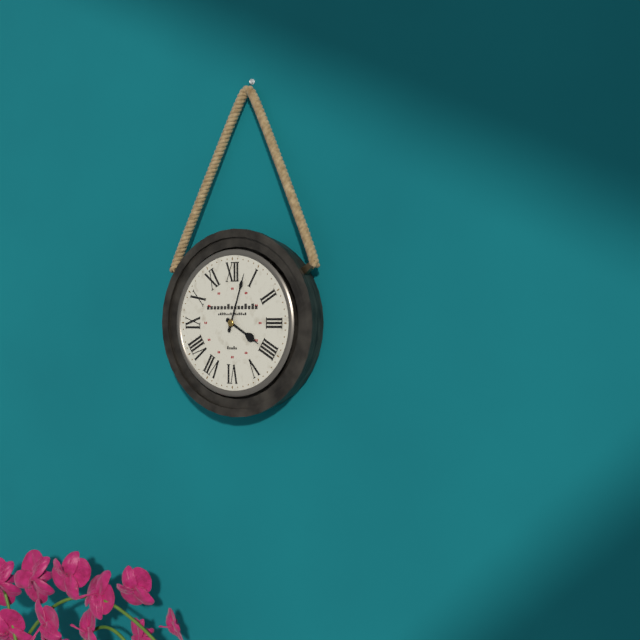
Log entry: 4:03
